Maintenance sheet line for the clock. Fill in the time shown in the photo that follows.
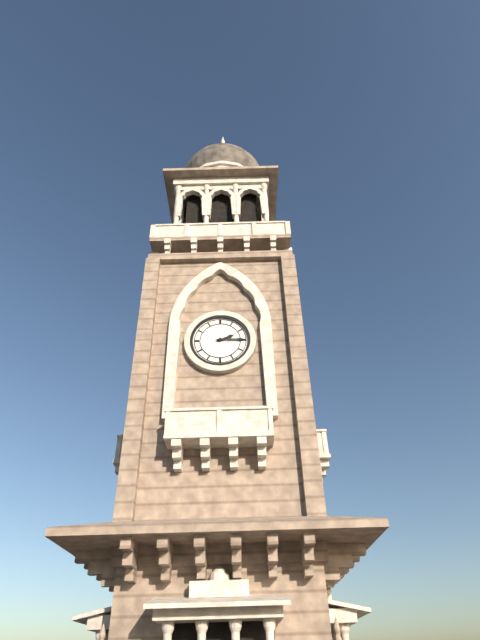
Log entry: 2:15
